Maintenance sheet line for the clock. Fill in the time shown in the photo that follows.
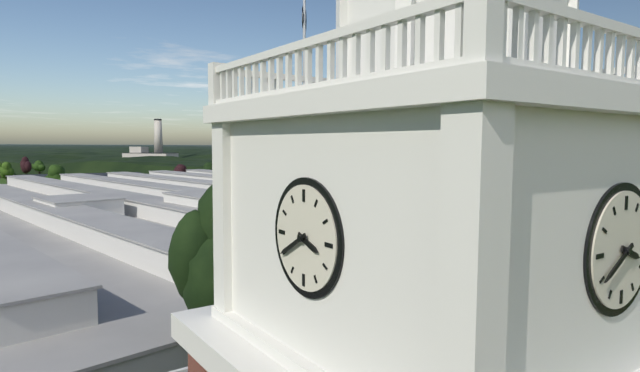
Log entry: 3:40
